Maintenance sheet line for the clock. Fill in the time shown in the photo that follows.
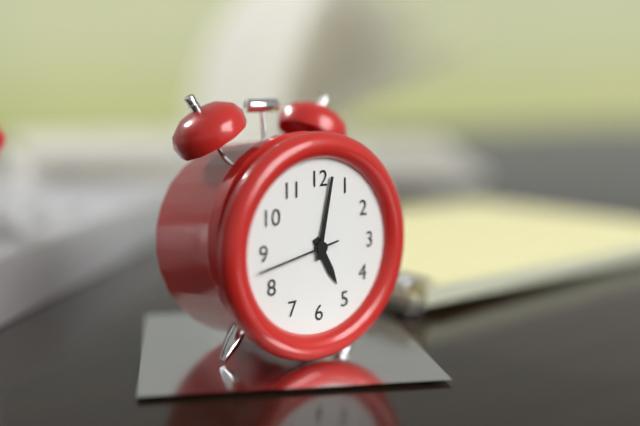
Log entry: 5:02:43
